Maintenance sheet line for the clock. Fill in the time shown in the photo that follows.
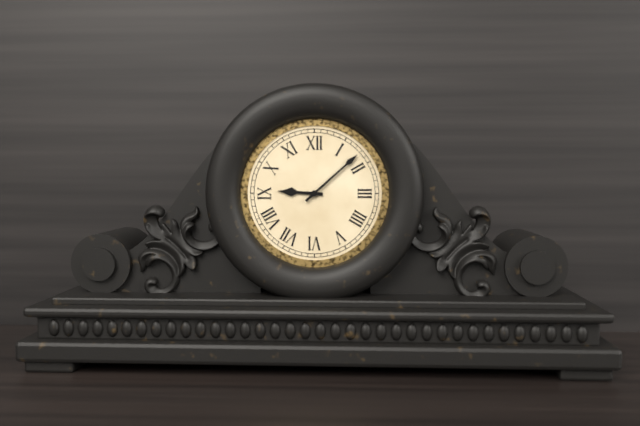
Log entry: 9:08
